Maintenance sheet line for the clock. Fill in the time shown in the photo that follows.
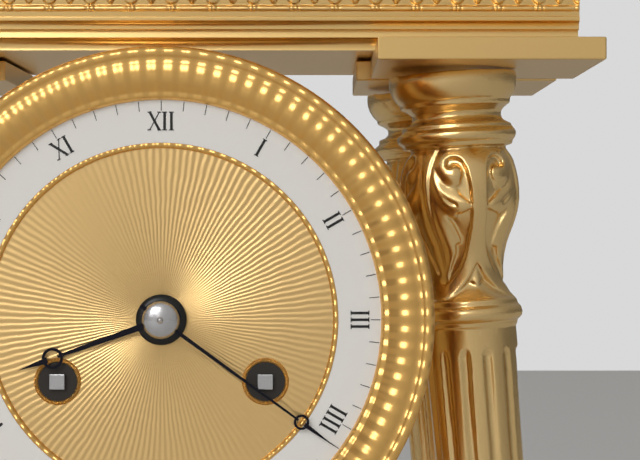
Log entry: 8:21
